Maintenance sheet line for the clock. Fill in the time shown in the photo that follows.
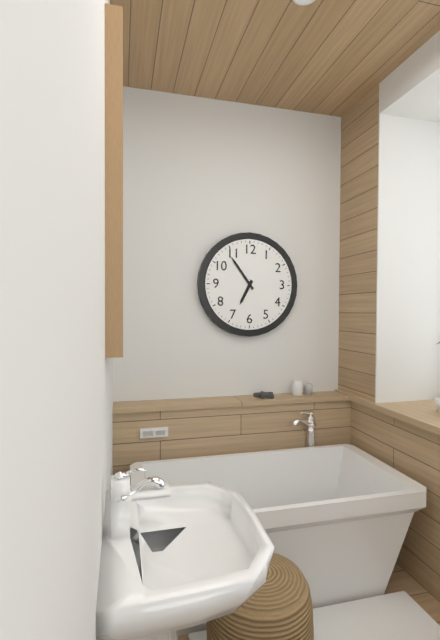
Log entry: 6:54
